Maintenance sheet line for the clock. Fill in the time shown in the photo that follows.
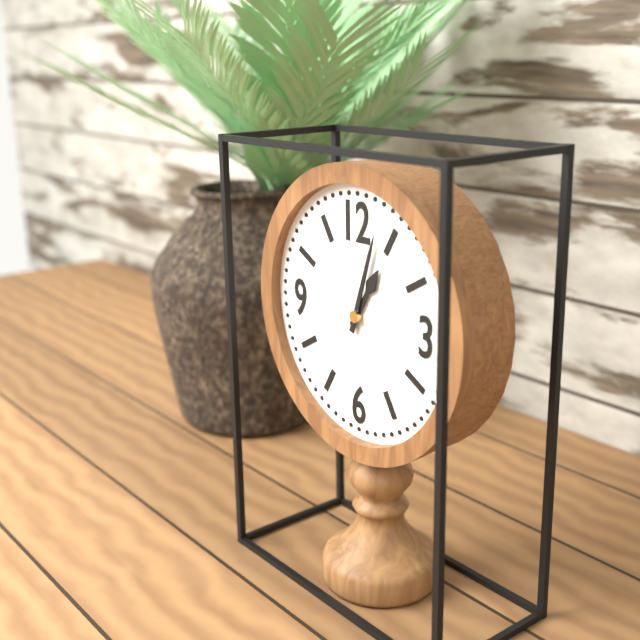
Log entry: 1:03
